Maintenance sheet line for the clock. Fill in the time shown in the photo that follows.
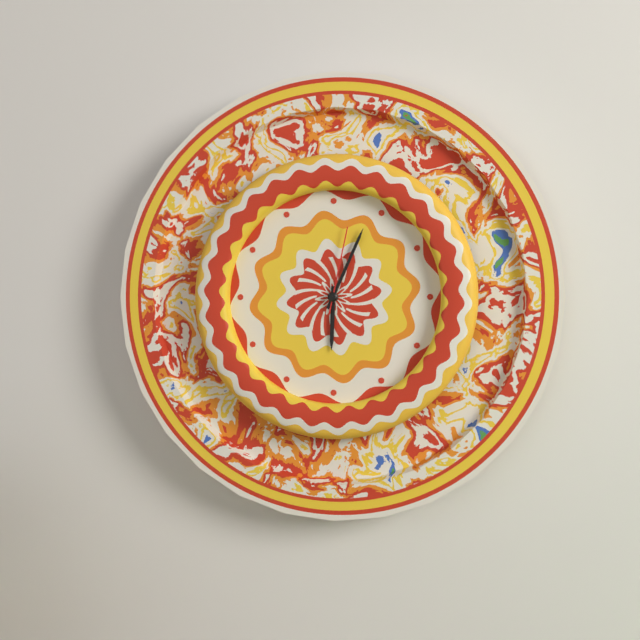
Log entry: 6:04:02
